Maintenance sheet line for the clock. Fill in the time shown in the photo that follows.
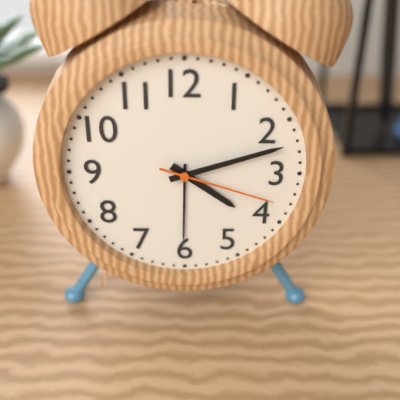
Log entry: 4:12:18
